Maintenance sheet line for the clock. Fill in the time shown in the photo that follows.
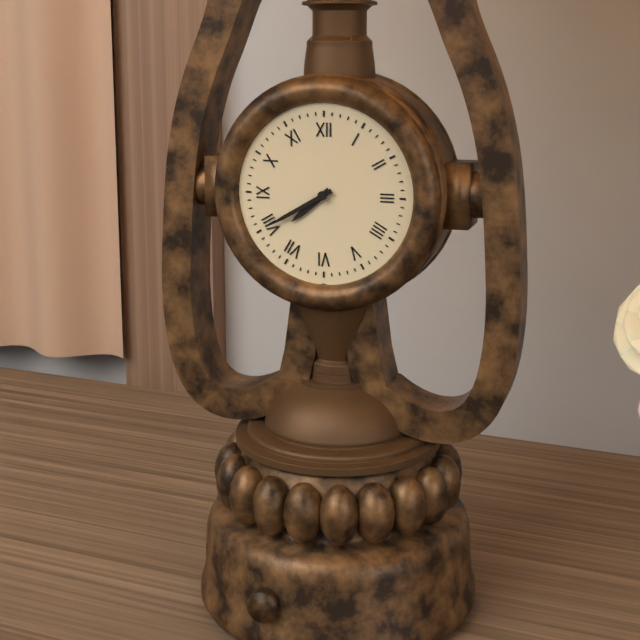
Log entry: 7:40
